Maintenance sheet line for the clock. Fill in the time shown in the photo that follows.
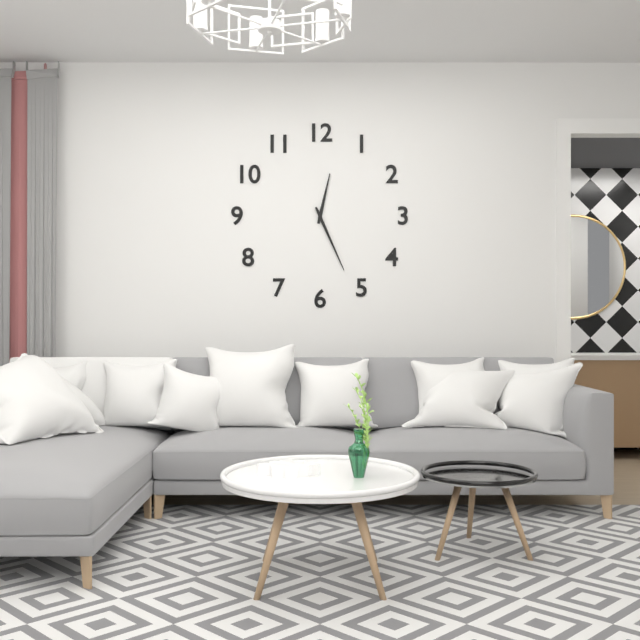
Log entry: 12:26
